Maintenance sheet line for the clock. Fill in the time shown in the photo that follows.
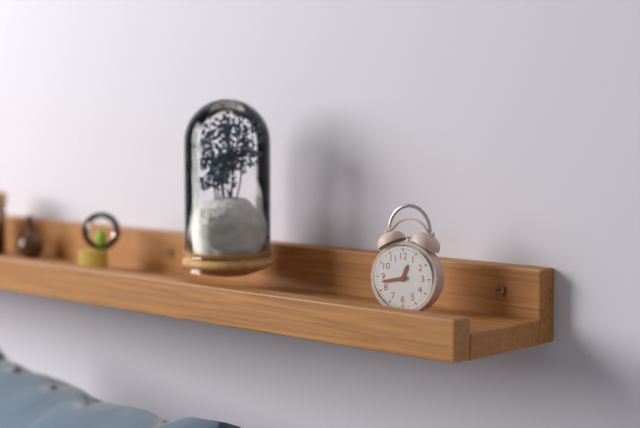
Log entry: 12:43
